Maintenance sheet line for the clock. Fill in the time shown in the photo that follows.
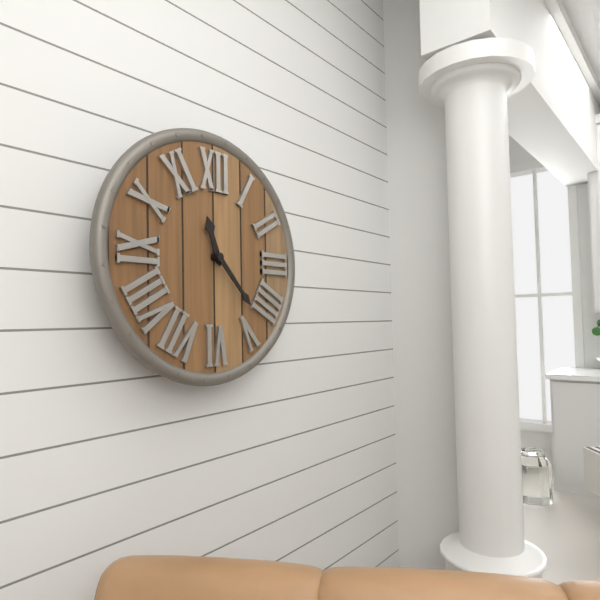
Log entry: 11:23
